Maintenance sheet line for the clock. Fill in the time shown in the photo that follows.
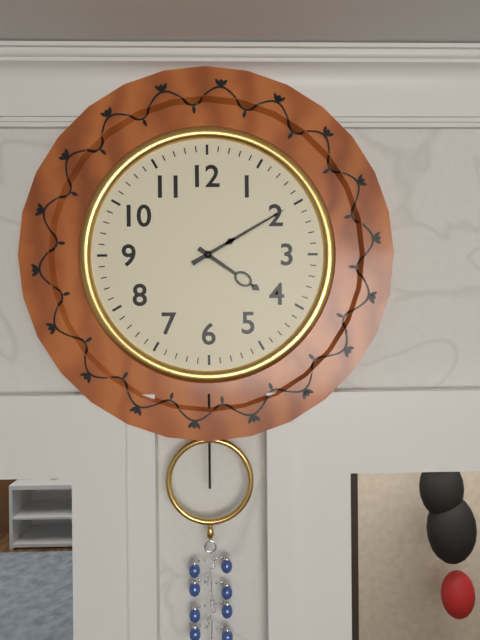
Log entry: 4:10
